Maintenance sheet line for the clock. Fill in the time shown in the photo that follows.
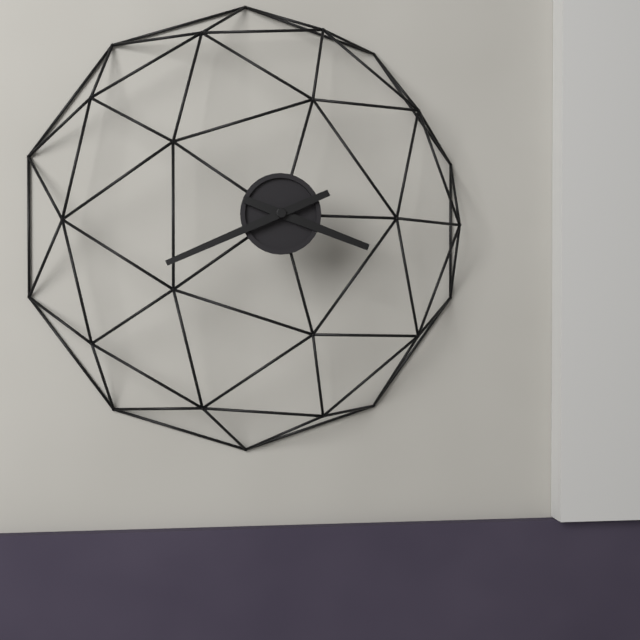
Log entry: 3:41
